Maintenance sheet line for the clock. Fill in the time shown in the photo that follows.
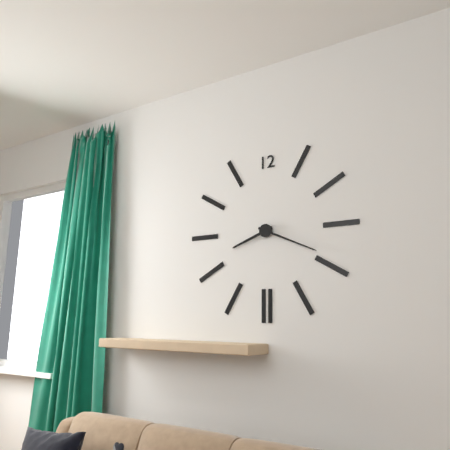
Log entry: 8:19
